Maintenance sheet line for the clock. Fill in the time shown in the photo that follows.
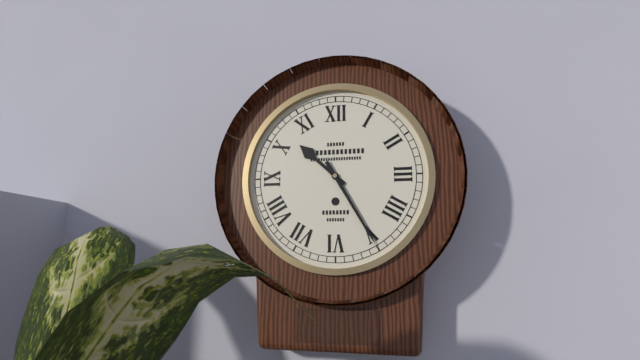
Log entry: 10:25
